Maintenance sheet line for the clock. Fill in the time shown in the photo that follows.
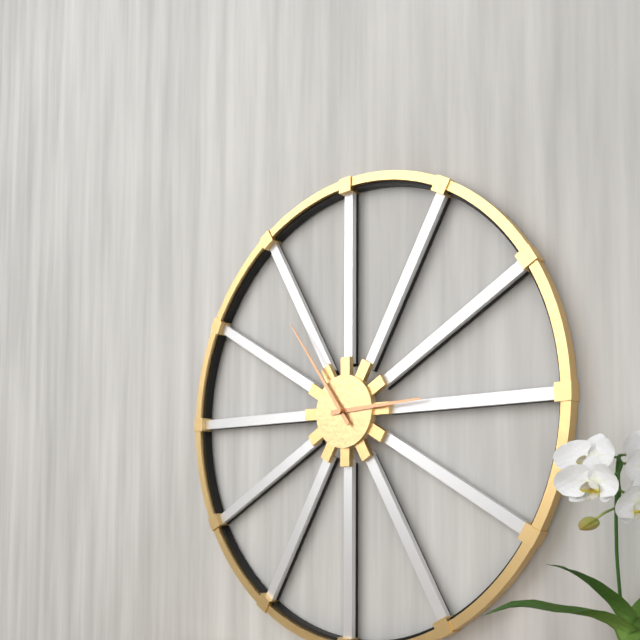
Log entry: 2:54
